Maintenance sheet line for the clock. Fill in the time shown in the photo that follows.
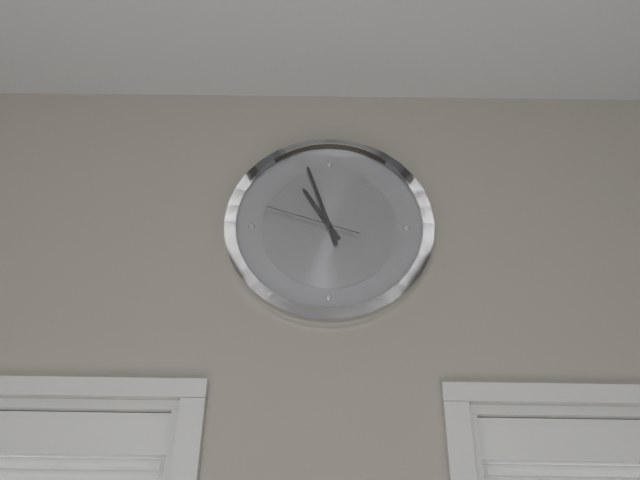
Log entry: 10:57:48
